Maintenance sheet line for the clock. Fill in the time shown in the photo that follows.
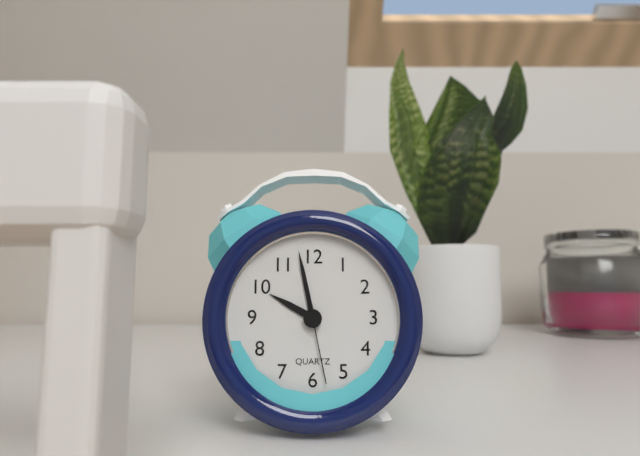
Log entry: 9:58:28
